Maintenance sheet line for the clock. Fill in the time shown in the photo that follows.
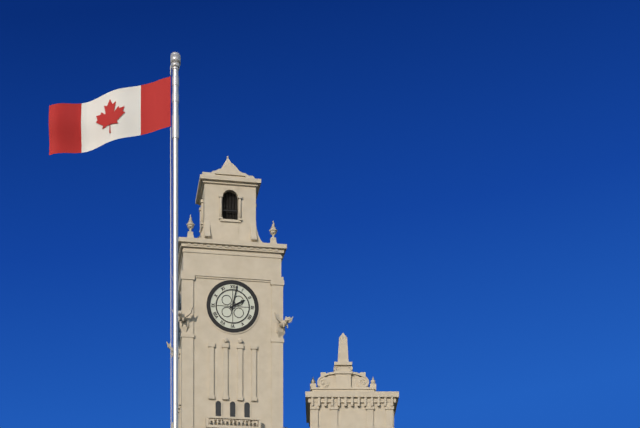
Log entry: 2:02
